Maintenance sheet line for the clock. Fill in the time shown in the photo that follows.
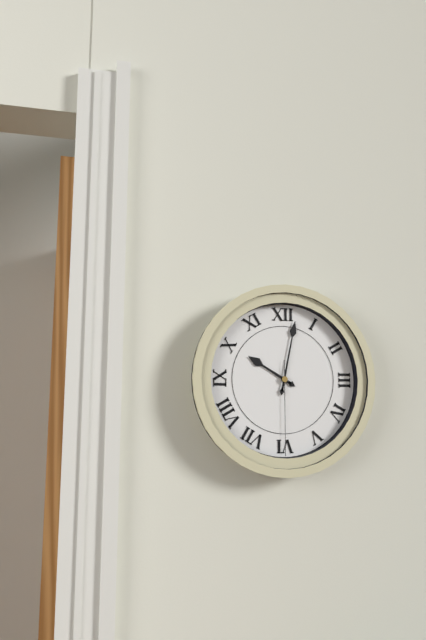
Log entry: 10:02:30
